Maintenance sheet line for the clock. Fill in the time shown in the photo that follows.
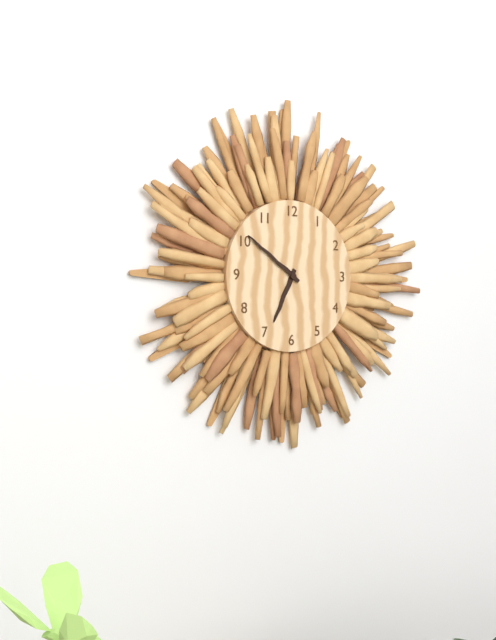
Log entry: 6:51
